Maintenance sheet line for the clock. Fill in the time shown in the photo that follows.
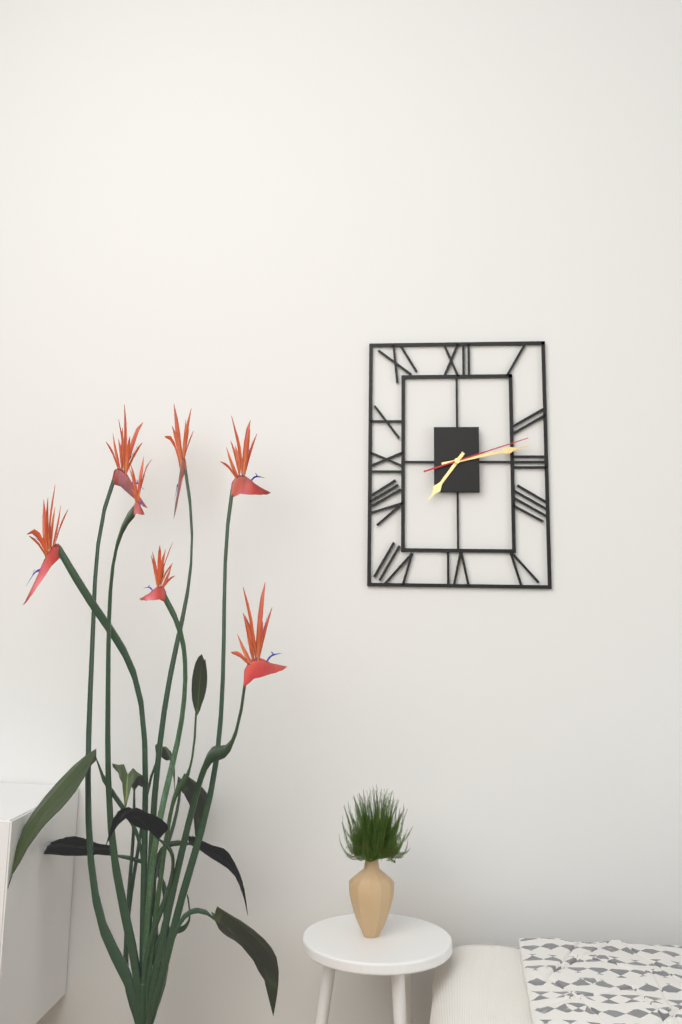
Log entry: 7:13:12
